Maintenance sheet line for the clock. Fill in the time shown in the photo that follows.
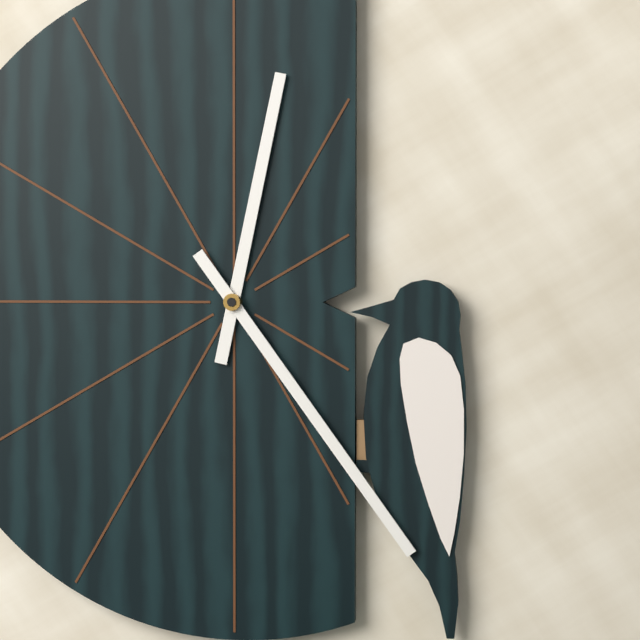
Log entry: 12:24
